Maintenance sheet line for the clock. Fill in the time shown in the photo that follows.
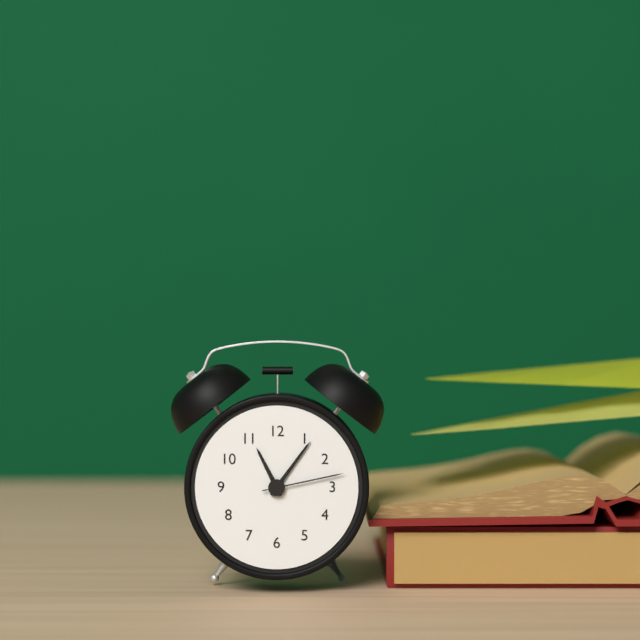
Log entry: 11:06:13
